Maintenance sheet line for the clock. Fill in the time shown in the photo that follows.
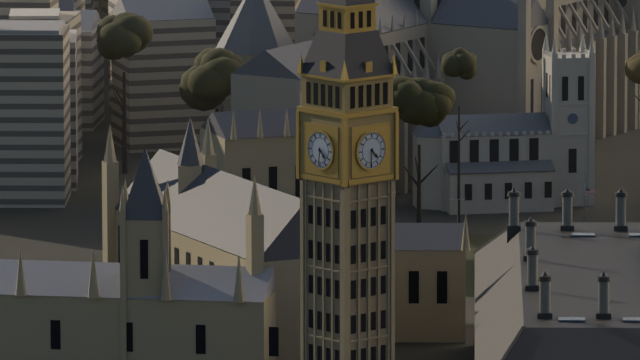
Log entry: 4:31
